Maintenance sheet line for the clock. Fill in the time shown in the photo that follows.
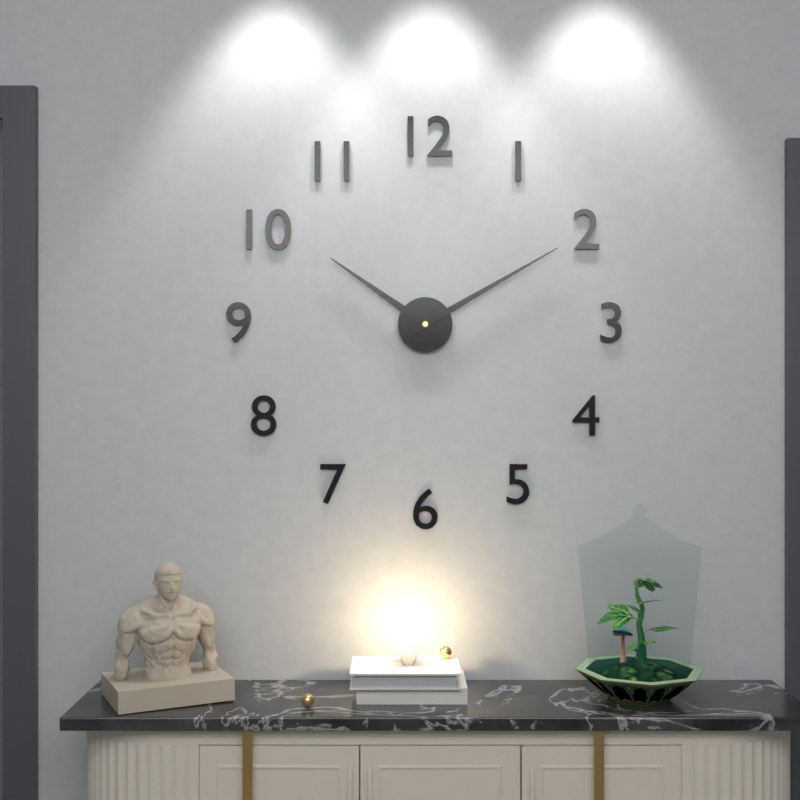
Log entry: 10:10
